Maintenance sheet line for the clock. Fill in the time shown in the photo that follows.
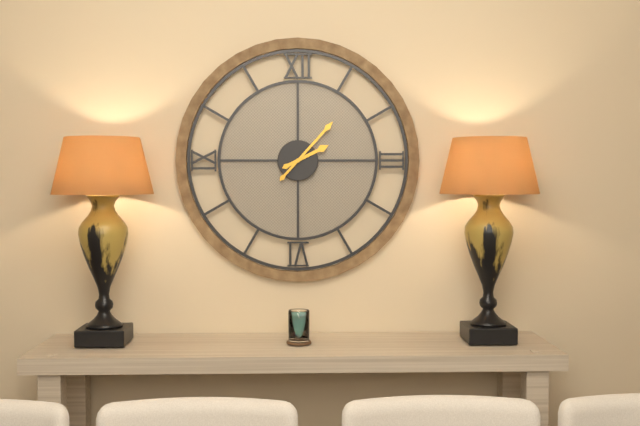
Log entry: 2:07
